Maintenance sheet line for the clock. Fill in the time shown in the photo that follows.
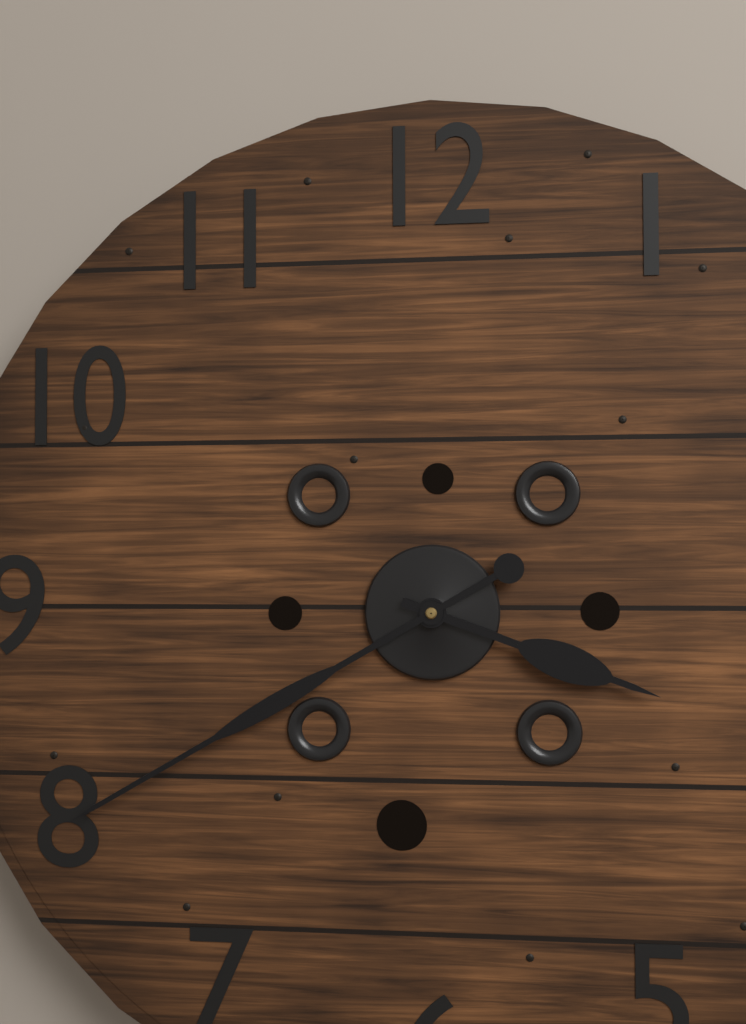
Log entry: 3:40
